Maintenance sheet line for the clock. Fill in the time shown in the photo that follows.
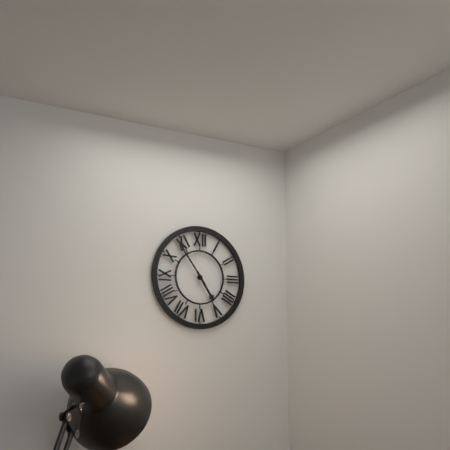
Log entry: 4:54
